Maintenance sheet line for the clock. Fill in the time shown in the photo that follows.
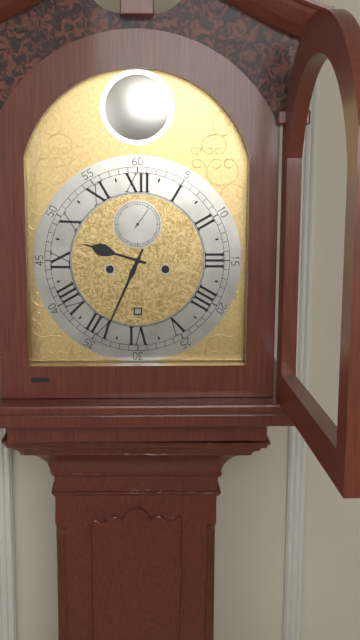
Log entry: 9:34
